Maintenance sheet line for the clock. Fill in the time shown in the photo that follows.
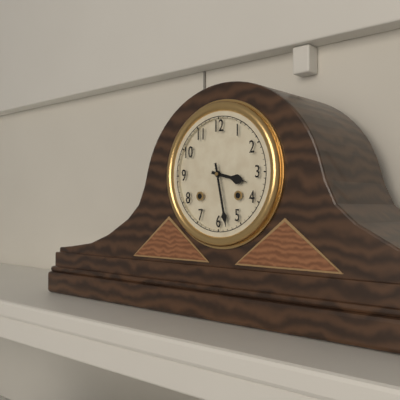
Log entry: 3:28
